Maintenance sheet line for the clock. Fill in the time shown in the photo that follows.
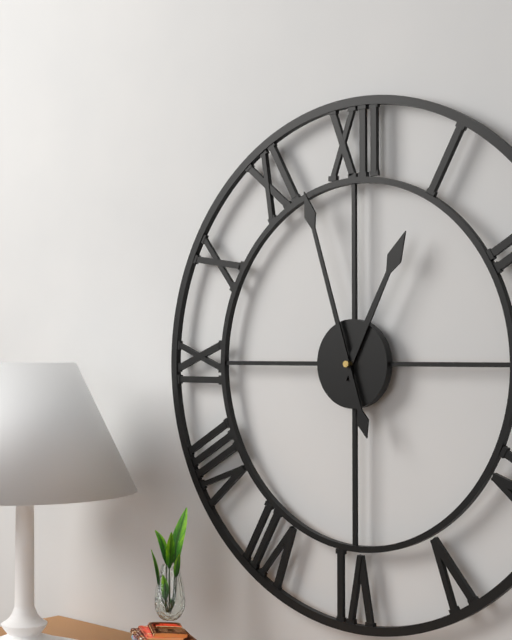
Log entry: 12:57
